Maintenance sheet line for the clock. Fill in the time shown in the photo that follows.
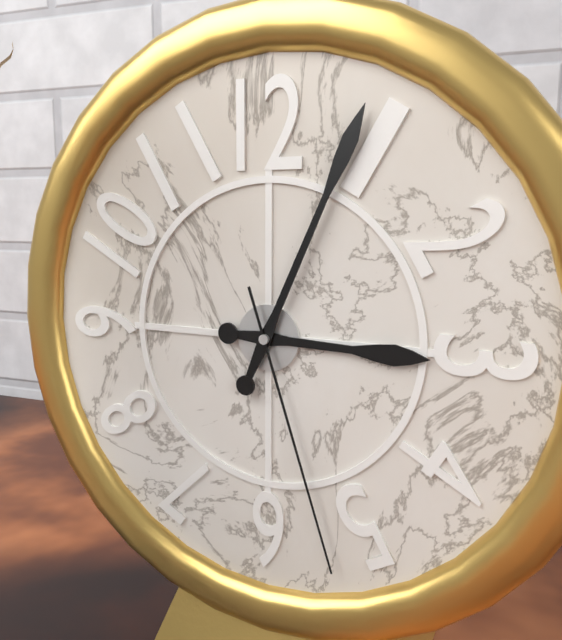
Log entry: 3:04:27
